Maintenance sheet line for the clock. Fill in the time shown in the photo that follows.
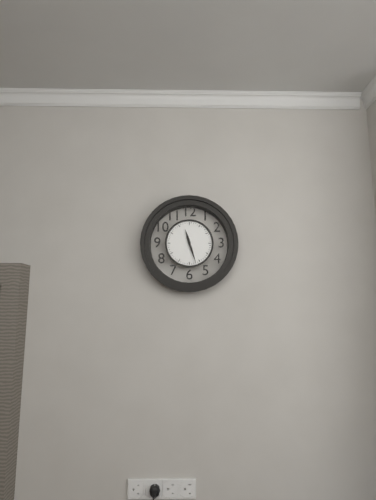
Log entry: 11:27
